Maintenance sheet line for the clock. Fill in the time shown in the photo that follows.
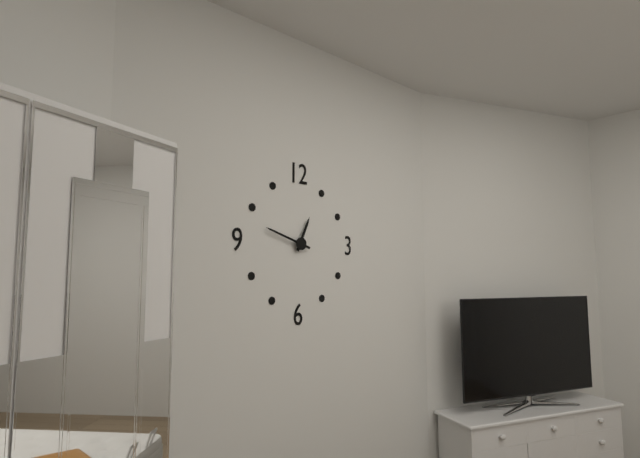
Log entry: 12:48
